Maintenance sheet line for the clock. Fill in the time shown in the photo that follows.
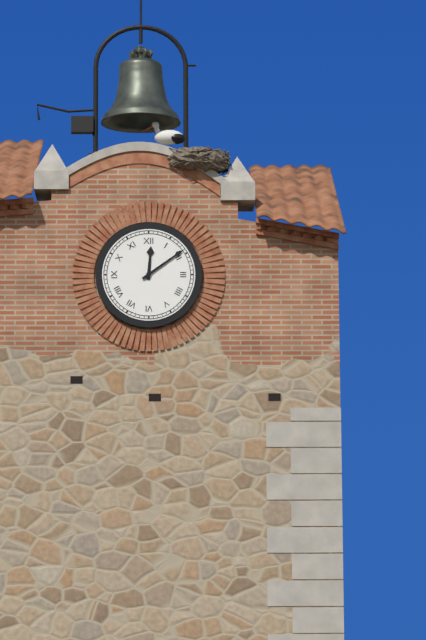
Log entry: 12:09
